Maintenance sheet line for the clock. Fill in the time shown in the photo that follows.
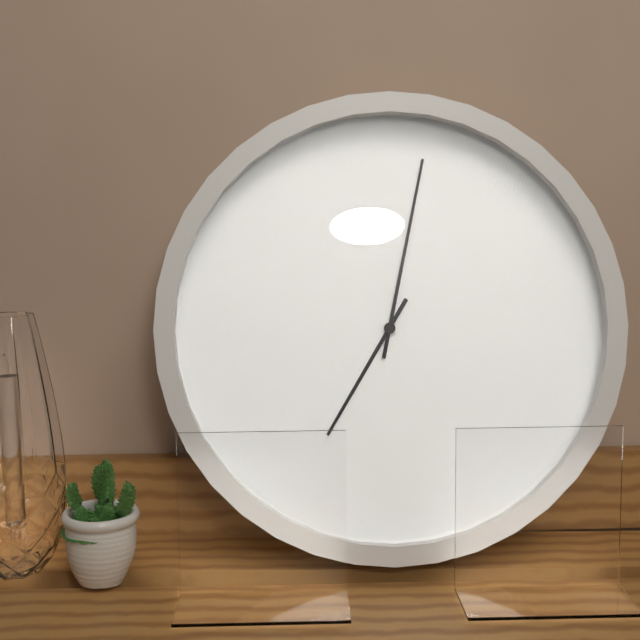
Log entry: 7:02
